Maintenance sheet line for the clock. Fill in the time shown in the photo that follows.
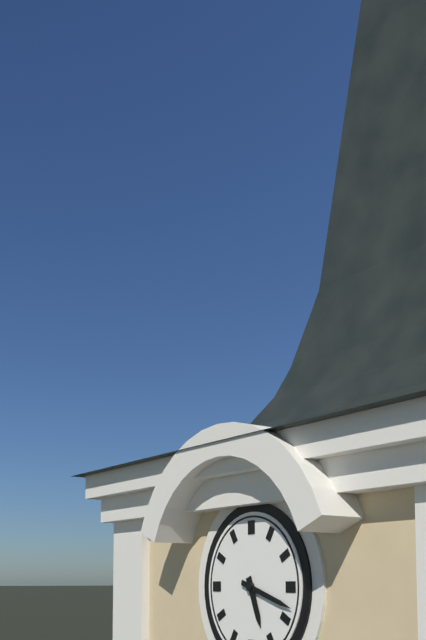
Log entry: 5:18
